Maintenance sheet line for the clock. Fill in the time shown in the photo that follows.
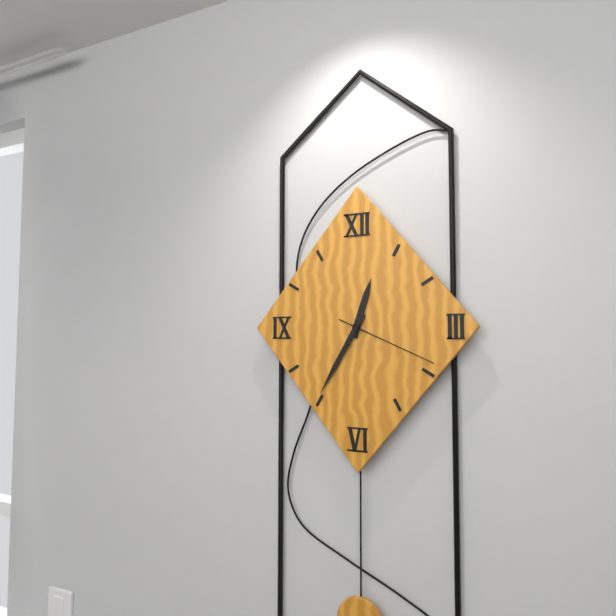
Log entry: 12:35:19
